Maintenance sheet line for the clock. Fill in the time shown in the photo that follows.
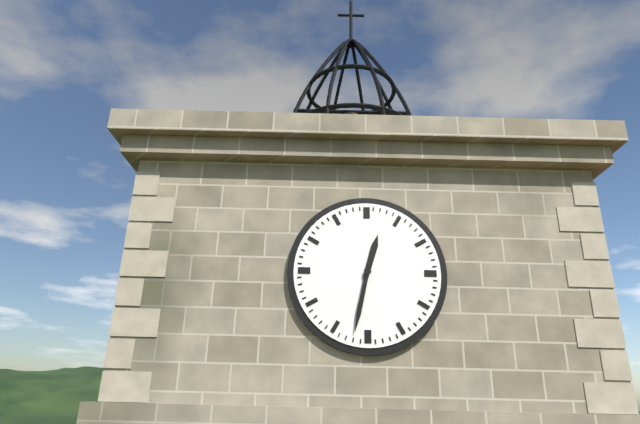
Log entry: 12:32
